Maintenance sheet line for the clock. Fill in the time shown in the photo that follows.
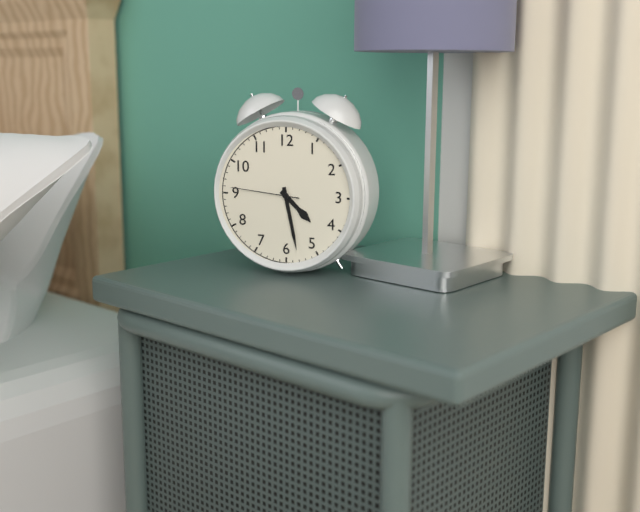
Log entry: 4:28:46
